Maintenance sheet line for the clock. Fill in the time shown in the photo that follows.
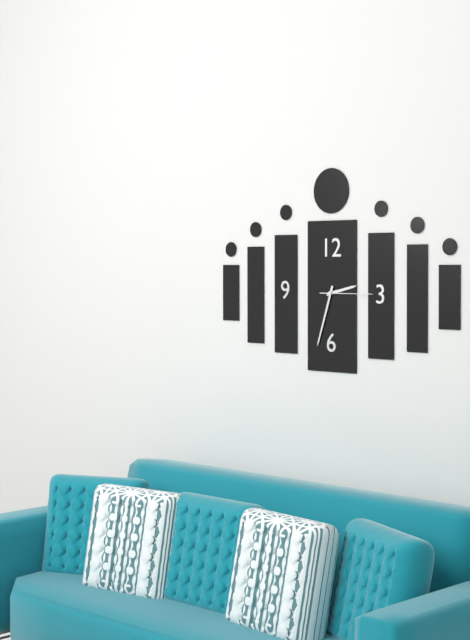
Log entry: 2:33:15
